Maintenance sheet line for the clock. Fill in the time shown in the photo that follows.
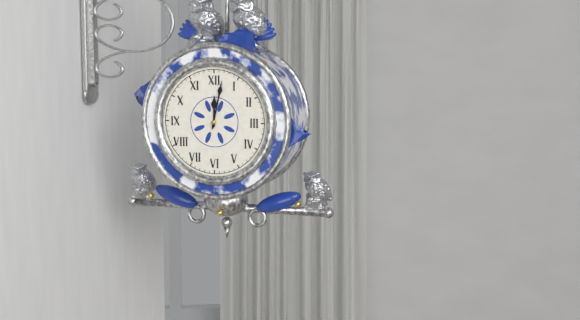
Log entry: 12:02
